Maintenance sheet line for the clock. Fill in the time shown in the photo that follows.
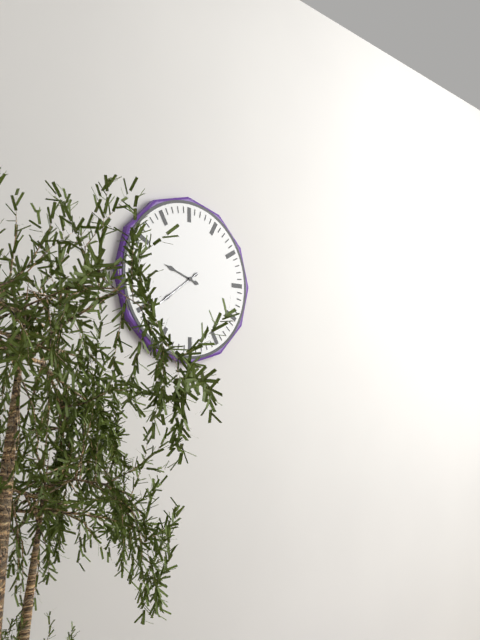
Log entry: 9:39:39
